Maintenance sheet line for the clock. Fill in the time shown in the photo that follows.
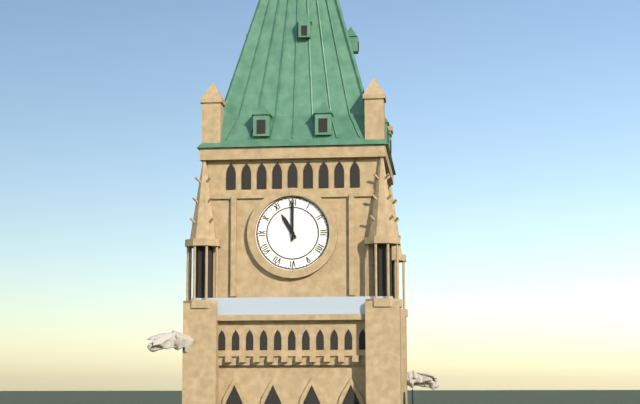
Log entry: 11:00
